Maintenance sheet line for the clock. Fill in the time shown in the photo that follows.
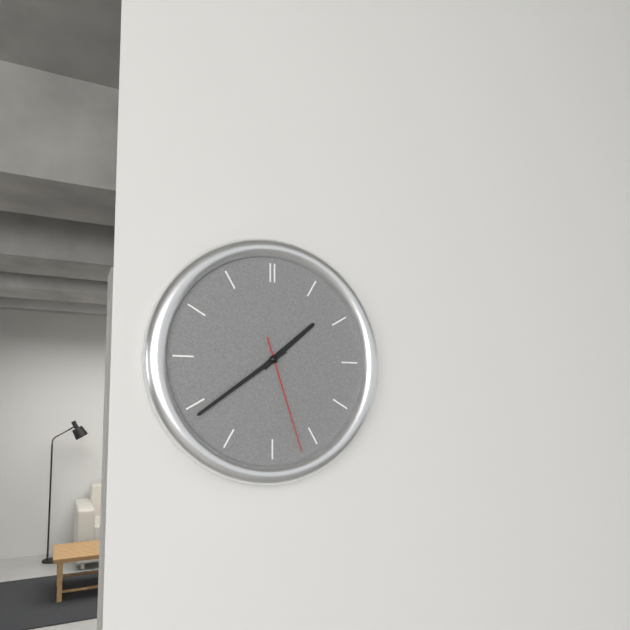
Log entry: 1:39:27
